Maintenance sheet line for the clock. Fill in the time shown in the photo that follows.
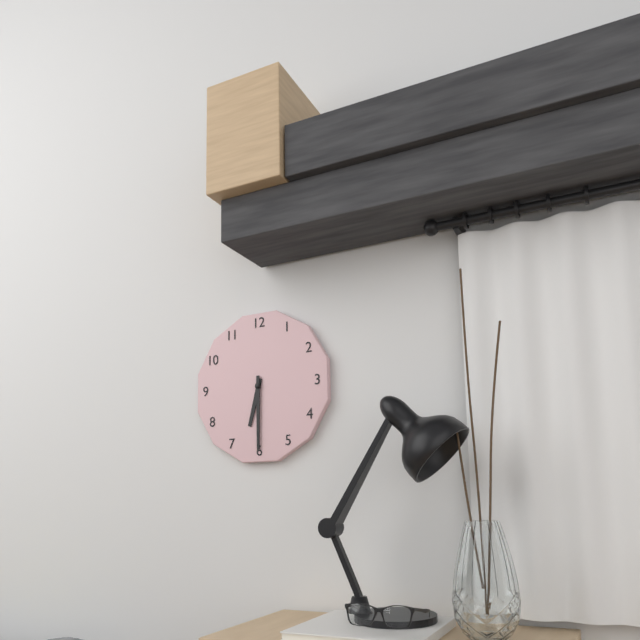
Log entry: 6:30
